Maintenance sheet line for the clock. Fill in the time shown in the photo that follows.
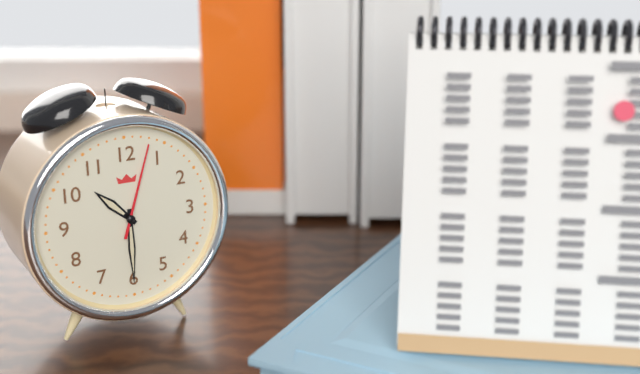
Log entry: 10:30:03
